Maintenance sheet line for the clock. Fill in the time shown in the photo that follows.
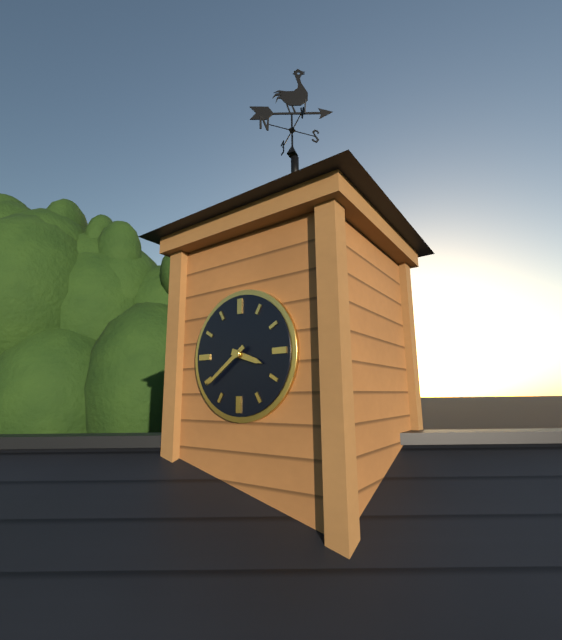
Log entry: 3:39
